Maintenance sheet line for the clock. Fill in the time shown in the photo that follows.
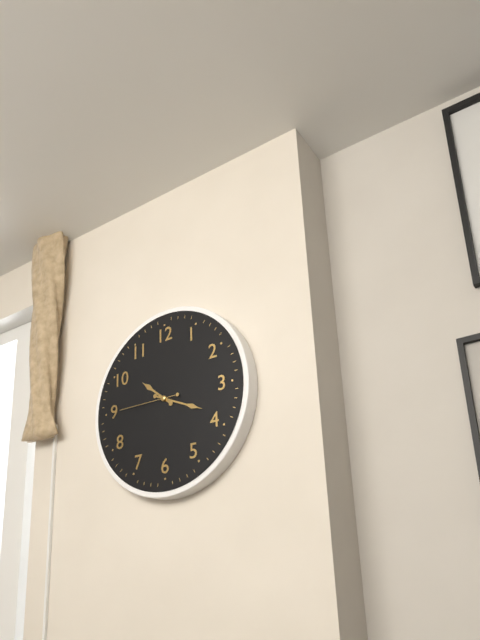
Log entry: 10:19:45
